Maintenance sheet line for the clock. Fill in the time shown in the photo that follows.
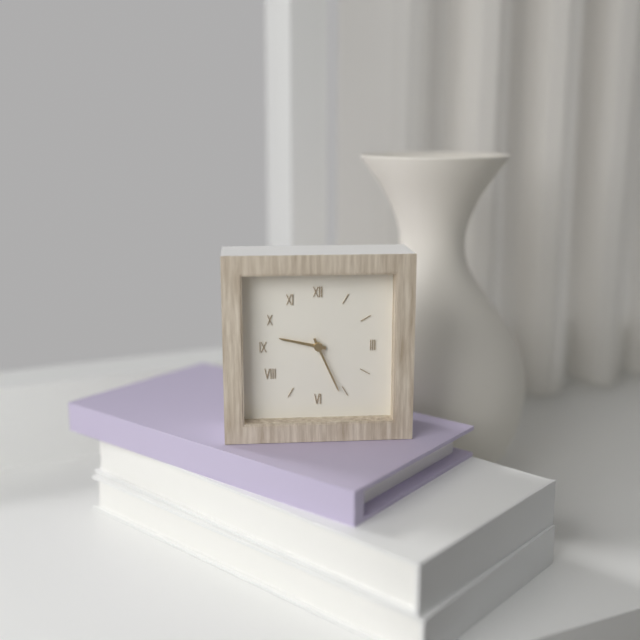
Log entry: 9:26
